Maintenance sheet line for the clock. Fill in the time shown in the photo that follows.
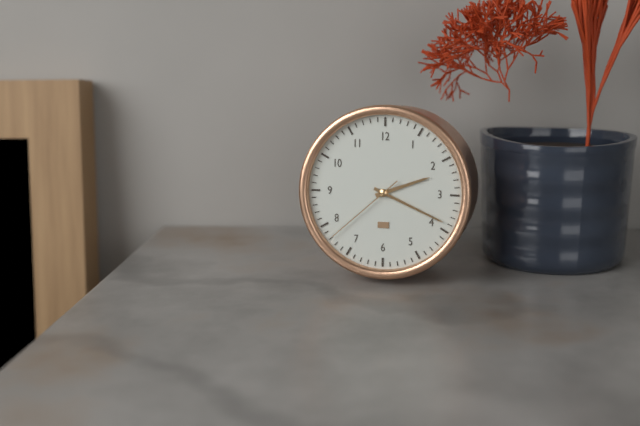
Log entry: 2:19:38
